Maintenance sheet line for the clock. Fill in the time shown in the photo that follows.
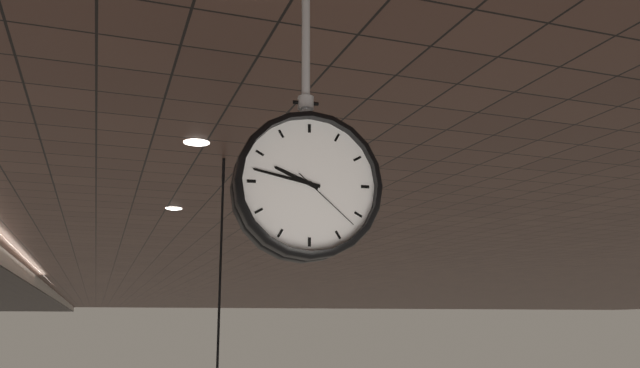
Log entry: 9:47:22
